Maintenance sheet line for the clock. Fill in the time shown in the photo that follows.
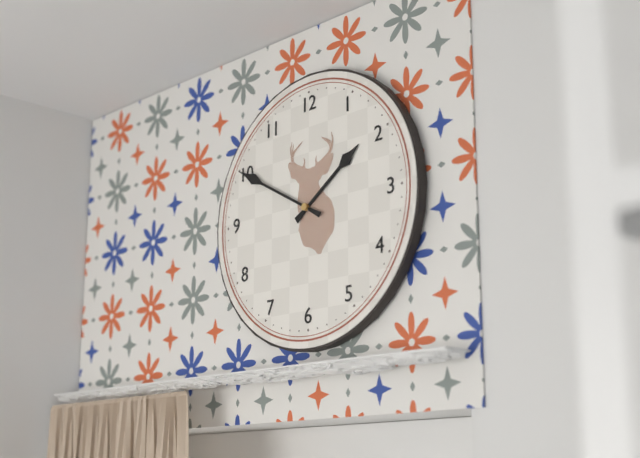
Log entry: 1:50
